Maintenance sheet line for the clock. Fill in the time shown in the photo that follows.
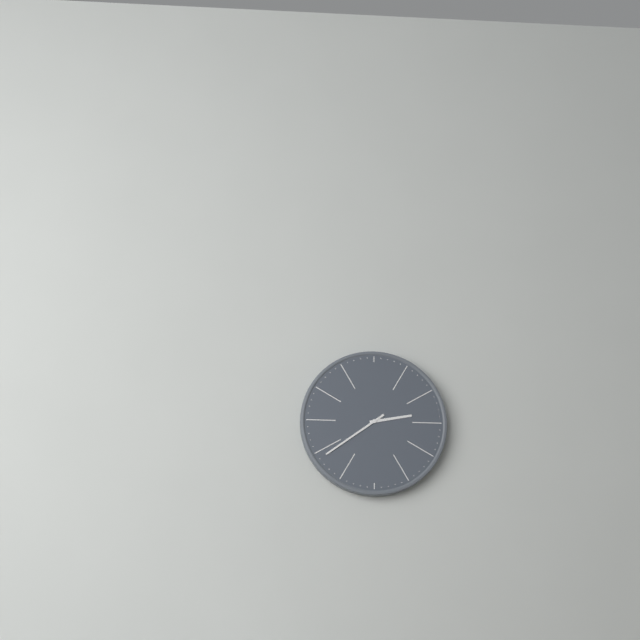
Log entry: 2:39
